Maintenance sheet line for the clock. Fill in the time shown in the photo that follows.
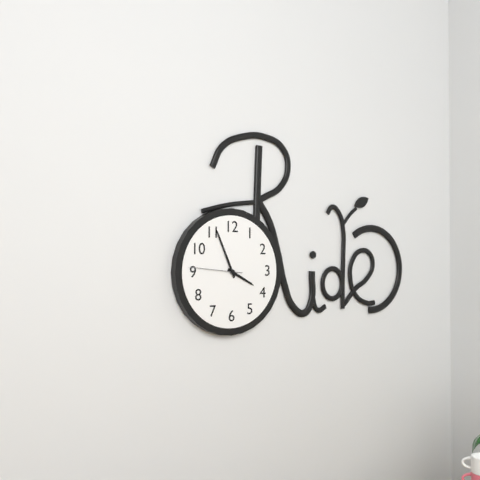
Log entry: 3:56:46
